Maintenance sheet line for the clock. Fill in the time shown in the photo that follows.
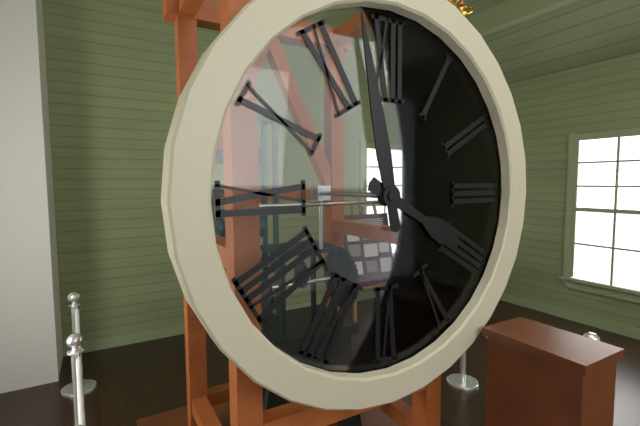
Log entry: 3:58
